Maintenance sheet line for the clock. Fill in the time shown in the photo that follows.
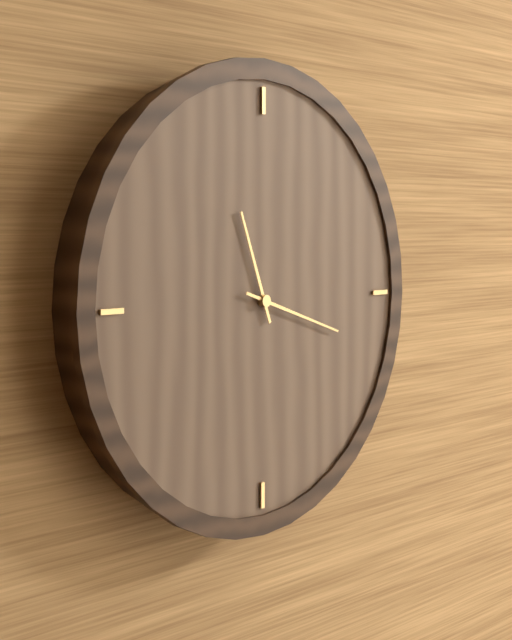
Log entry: 11:18
